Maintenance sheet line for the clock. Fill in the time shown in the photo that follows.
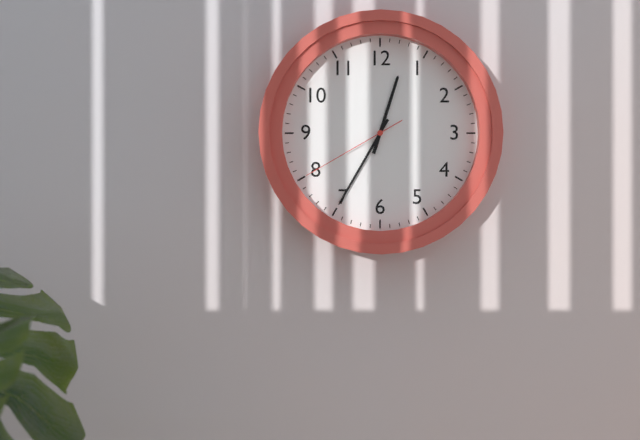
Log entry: 12:35:40
